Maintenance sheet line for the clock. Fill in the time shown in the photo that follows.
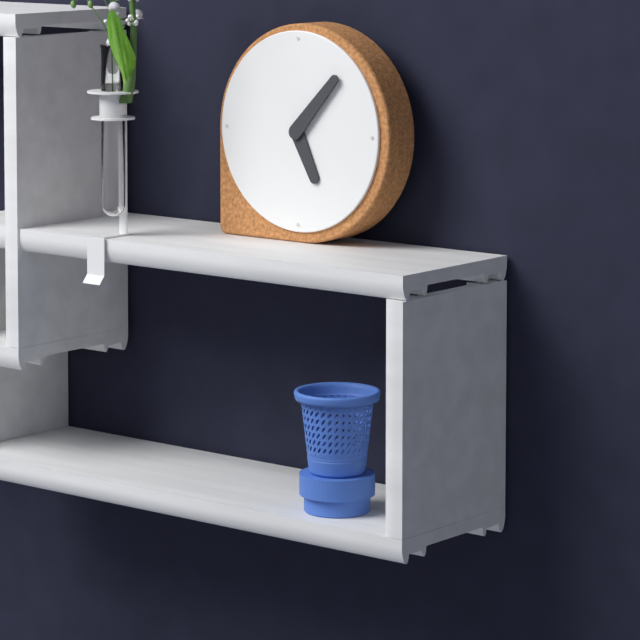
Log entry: 5:07
